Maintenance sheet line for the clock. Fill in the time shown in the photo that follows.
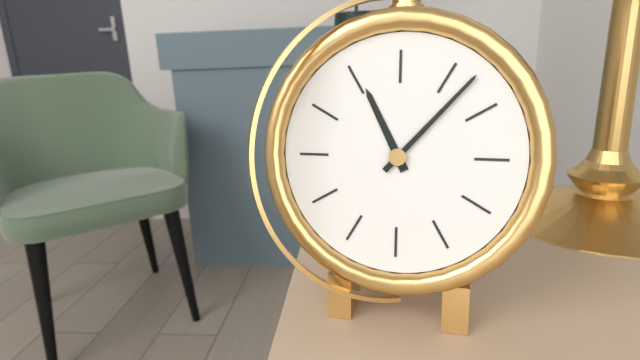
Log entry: 11:07
